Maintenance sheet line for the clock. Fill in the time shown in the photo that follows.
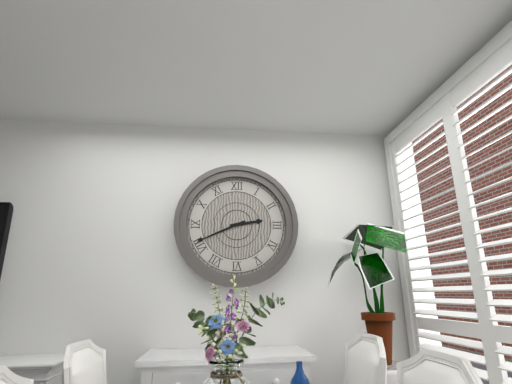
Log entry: 2:41
